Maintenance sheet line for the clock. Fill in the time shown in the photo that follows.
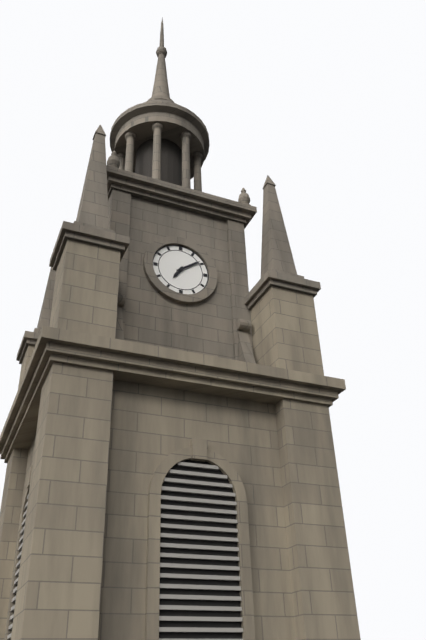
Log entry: 7:09
